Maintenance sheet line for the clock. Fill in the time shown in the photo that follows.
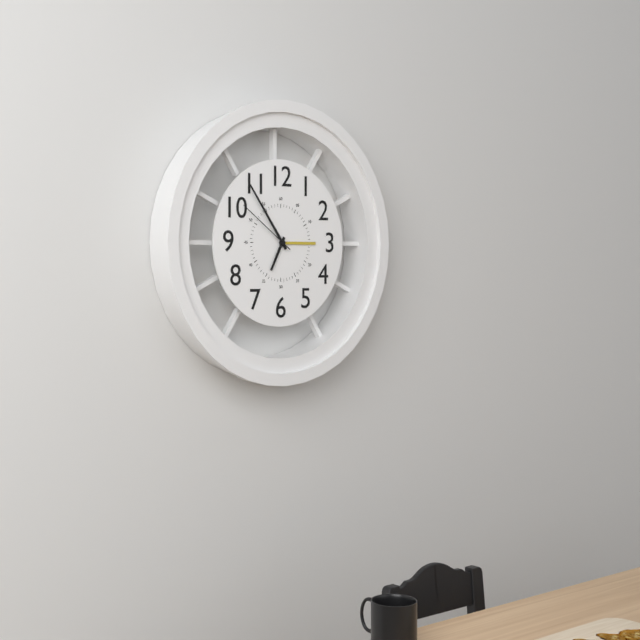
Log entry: 6:54:51
